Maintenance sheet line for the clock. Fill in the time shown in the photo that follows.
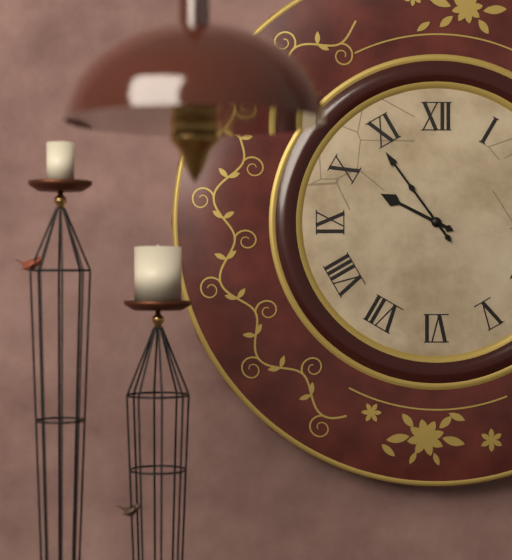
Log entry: 9:54
